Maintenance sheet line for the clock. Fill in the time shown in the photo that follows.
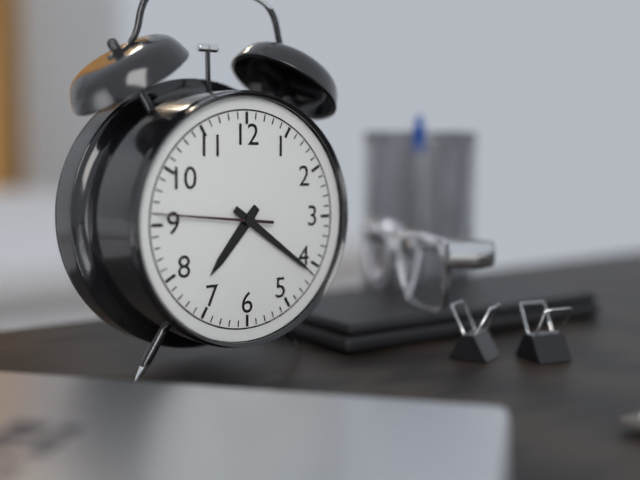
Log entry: 7:21:46
